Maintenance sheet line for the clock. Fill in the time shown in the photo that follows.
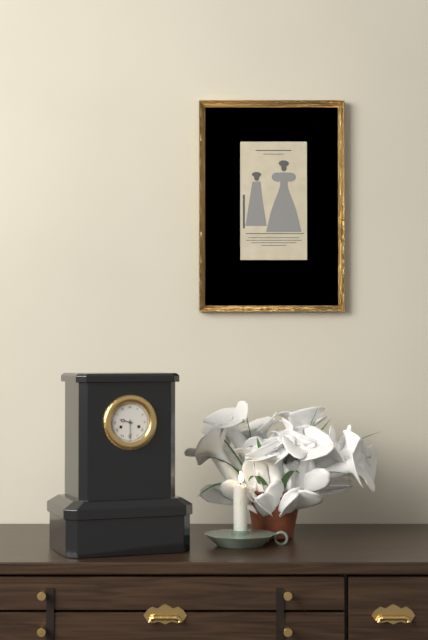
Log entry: 9:30
